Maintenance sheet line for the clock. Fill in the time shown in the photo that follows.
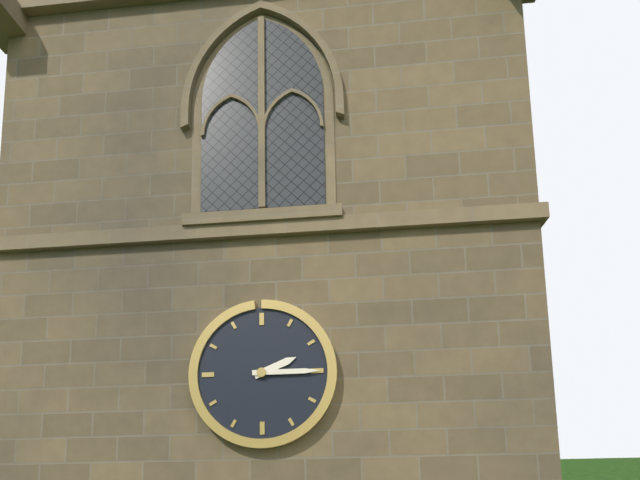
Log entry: 2:15
